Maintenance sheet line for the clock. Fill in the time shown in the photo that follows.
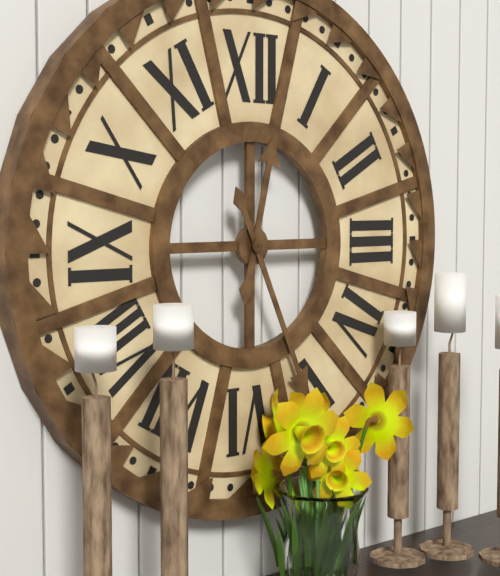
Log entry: 12:26
